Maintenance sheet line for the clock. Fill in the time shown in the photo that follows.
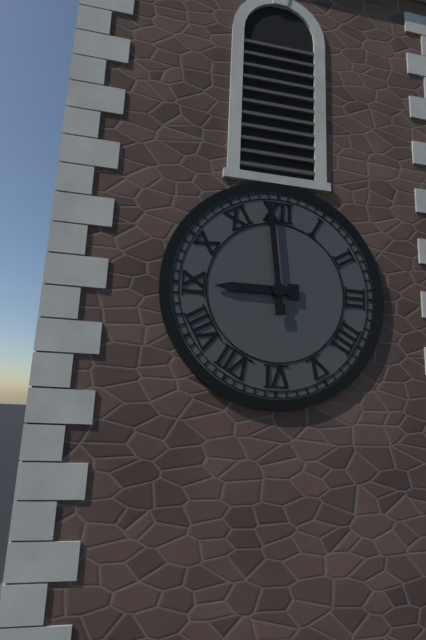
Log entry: 8:59
